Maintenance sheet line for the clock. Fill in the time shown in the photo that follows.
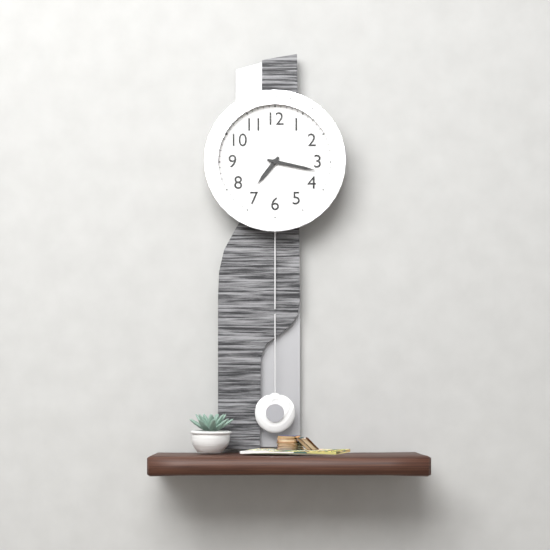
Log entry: 7:17
